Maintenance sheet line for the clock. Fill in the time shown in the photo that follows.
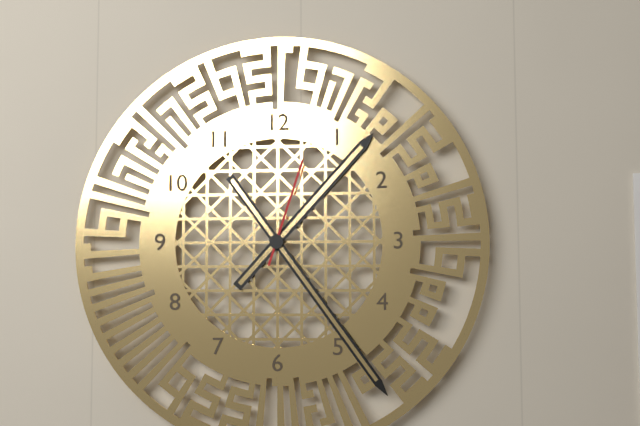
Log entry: 1:24:03
